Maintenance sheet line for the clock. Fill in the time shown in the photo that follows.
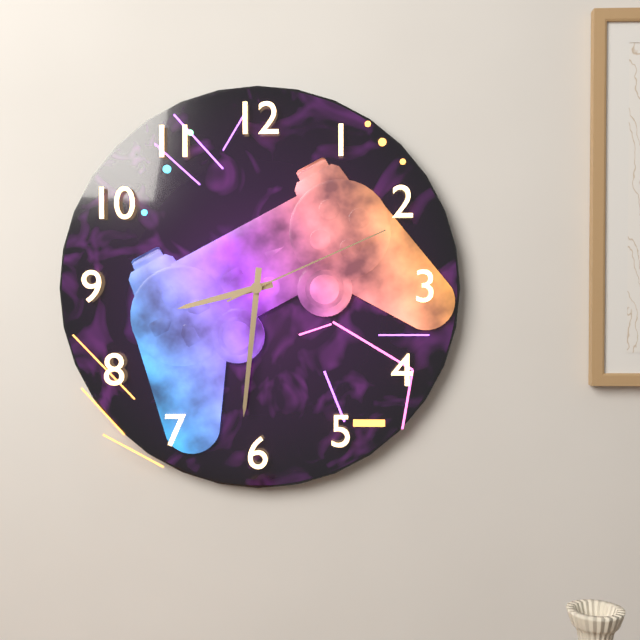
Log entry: 8:31:11
